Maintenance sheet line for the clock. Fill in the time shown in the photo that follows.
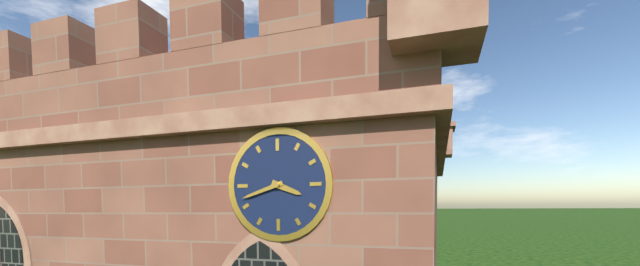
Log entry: 3:42
